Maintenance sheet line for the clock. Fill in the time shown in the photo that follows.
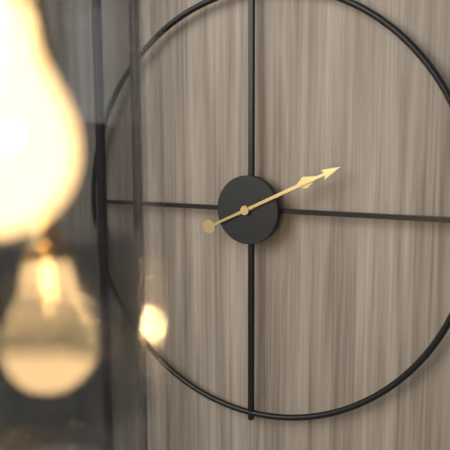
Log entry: 2:11
